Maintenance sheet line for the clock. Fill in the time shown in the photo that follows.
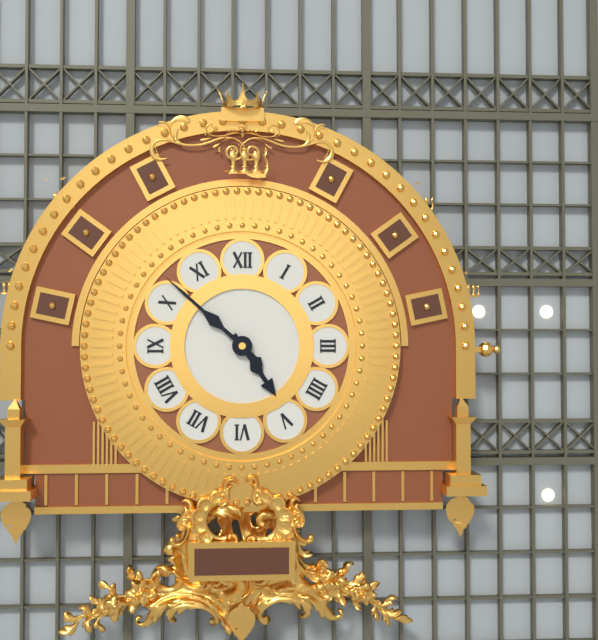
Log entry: 4:52
